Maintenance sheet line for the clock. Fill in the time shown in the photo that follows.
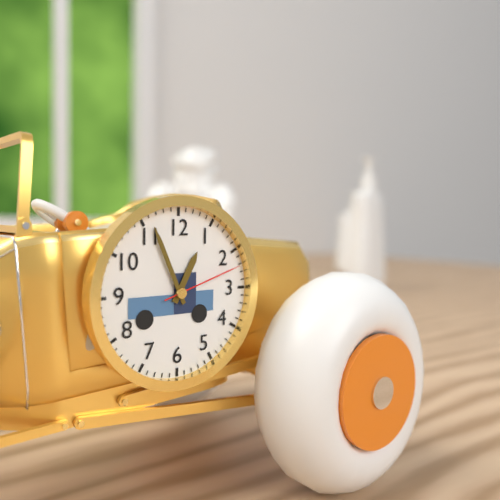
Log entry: 12:56:12
